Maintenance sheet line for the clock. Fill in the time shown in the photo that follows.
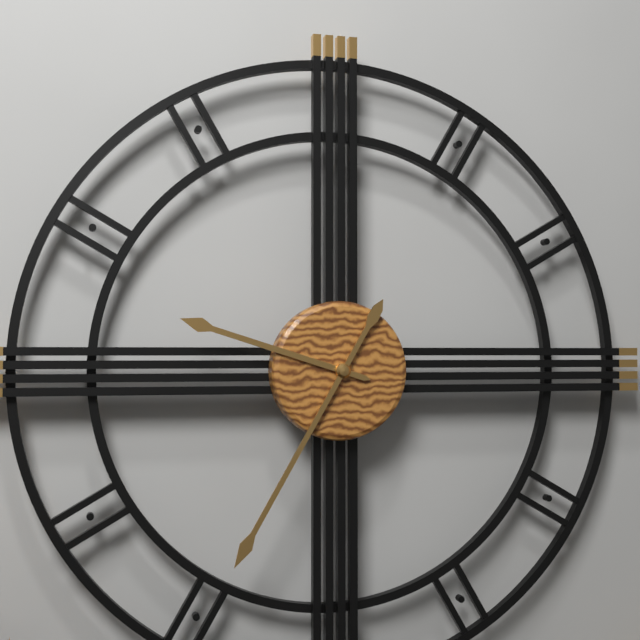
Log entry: 9:35
